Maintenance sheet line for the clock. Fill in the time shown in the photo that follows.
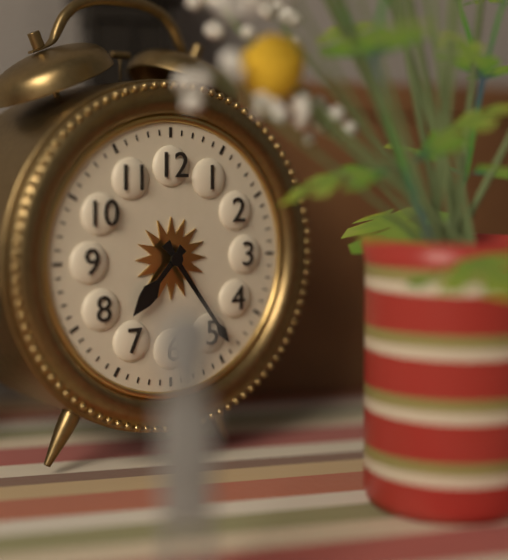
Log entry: 7:24
